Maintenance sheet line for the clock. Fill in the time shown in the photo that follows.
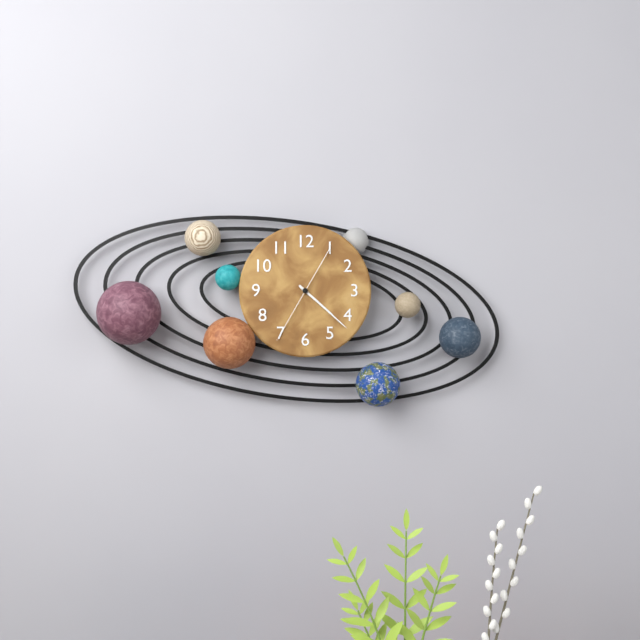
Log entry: 4:22:35
